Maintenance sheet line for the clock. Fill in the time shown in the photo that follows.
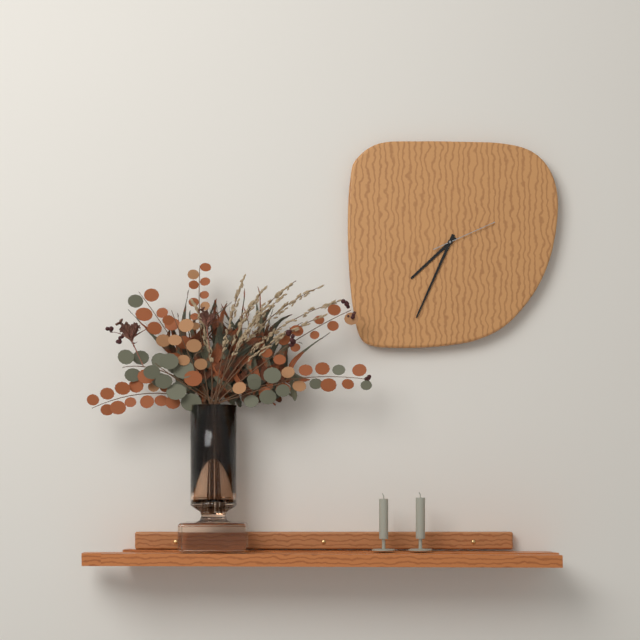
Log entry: 7:34:11
